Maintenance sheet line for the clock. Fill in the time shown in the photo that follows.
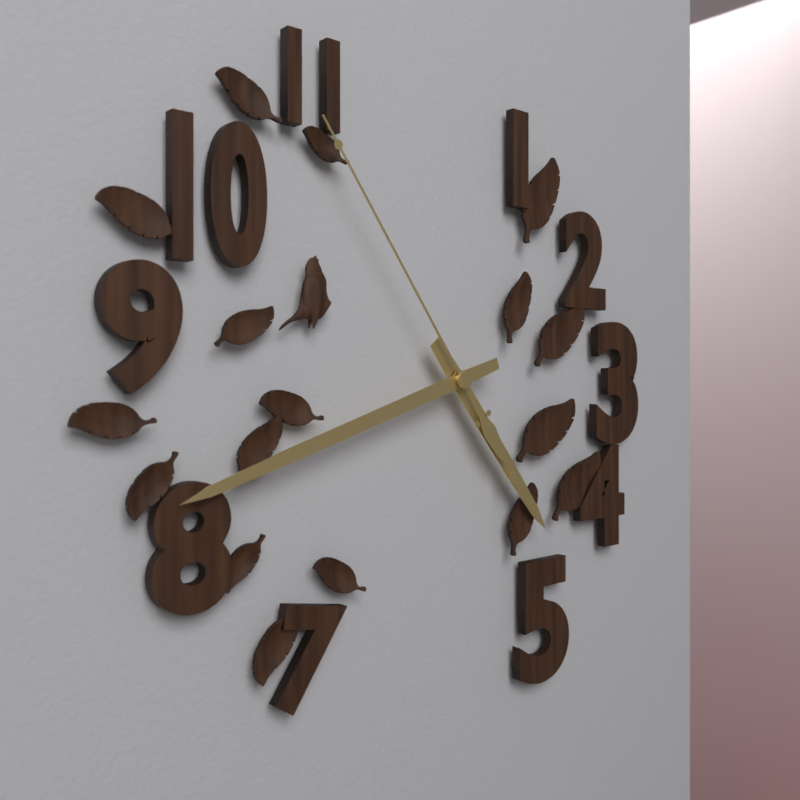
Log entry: 4:42:54
